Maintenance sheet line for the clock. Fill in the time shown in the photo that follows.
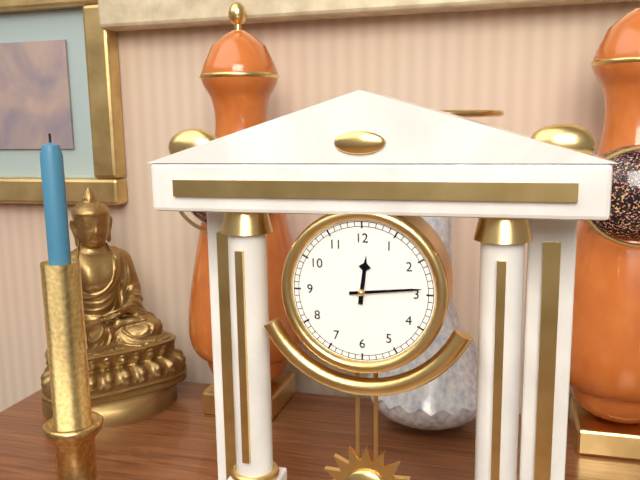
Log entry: 12:14
